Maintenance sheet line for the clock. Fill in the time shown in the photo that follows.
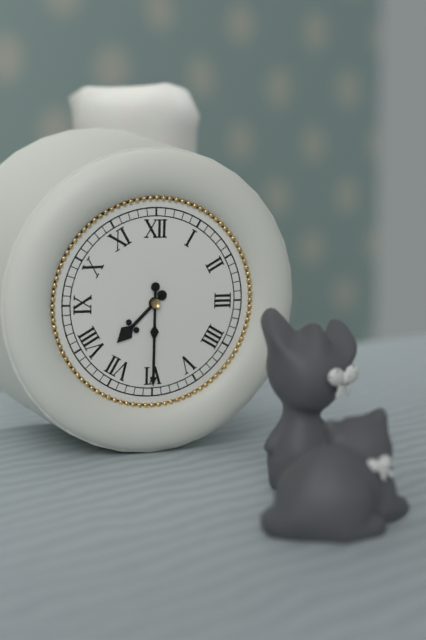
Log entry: 7:30
